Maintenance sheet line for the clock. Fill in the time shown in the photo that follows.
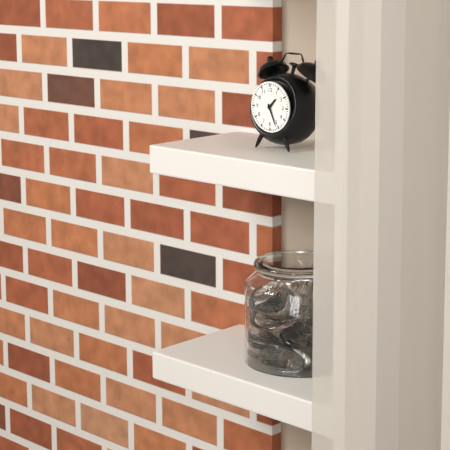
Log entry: 1:26
